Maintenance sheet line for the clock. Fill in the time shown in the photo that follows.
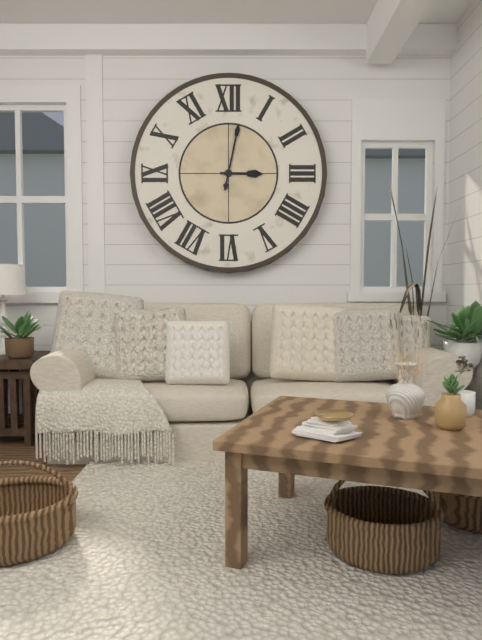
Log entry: 3:02
